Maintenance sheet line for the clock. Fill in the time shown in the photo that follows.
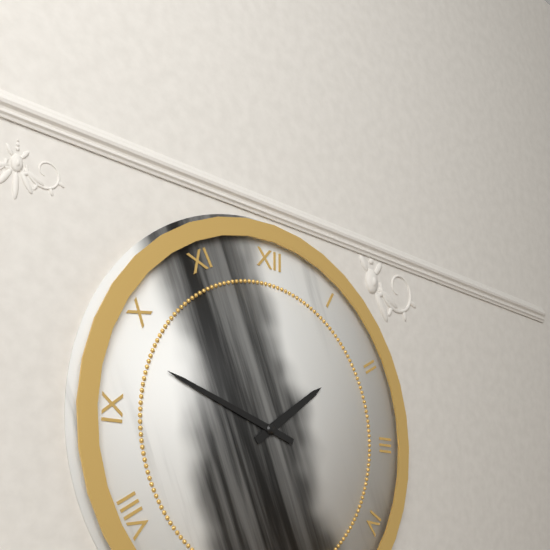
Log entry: 1:48
